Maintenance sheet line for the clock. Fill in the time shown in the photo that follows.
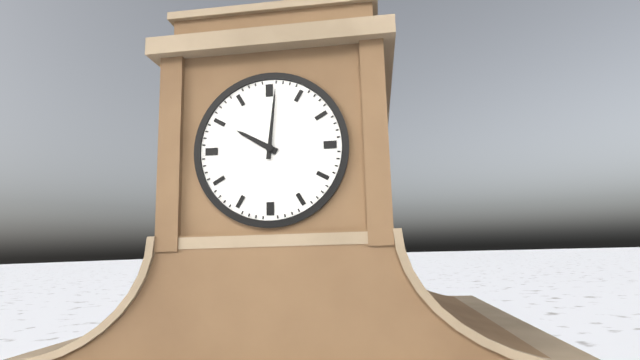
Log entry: 10:01
